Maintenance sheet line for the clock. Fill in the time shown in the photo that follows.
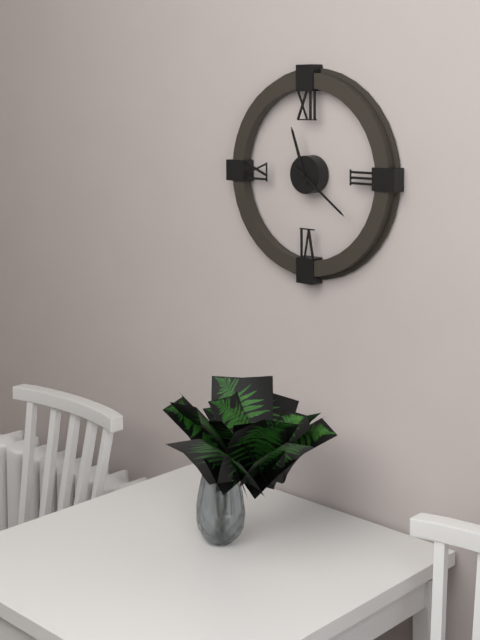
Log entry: 11:21
